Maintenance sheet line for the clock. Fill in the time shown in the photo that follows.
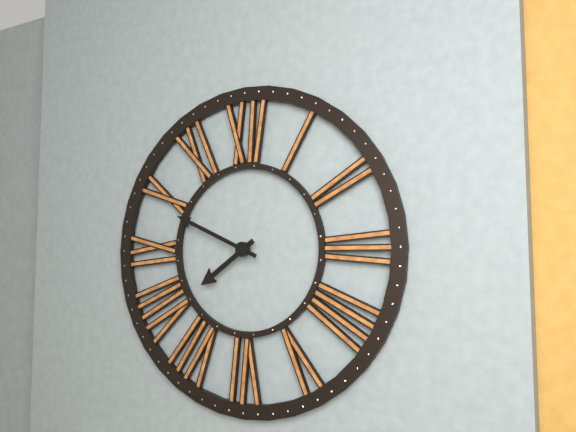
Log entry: 7:49
